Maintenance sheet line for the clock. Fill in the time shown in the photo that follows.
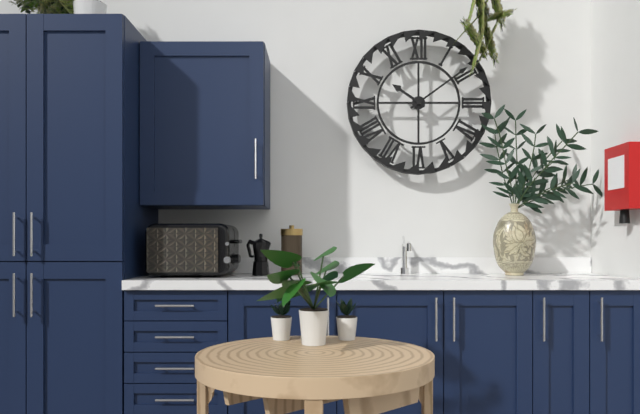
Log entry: 10:09
